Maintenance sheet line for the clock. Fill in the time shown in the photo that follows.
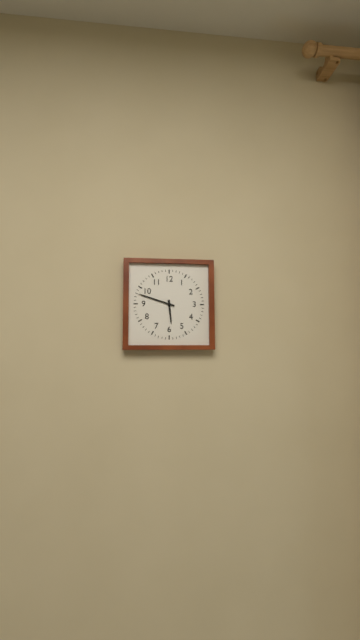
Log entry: 5:48
